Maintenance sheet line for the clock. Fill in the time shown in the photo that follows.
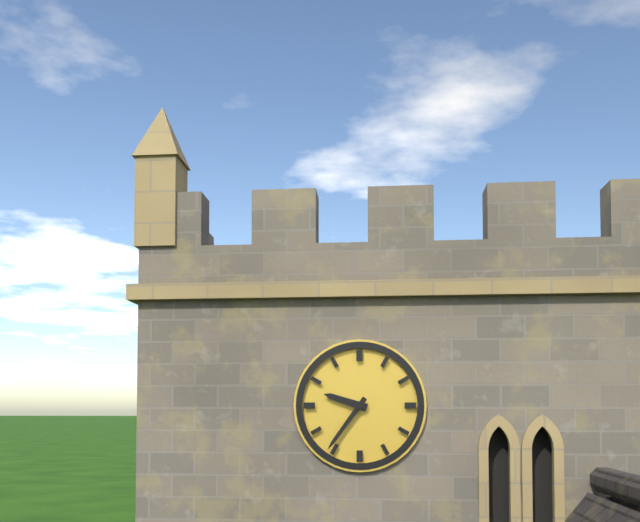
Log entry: 9:36
